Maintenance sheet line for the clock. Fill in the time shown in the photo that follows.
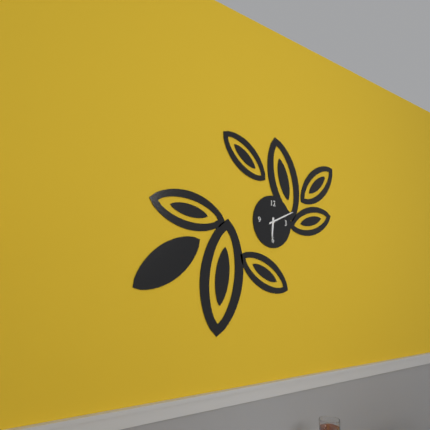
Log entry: 6:11
